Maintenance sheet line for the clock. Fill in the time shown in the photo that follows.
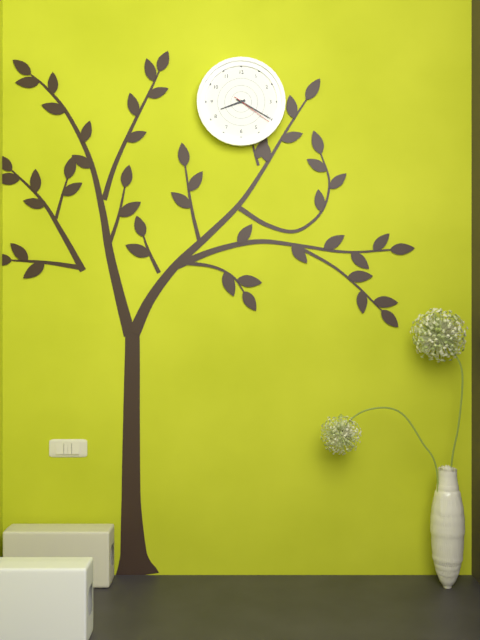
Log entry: 8:20
